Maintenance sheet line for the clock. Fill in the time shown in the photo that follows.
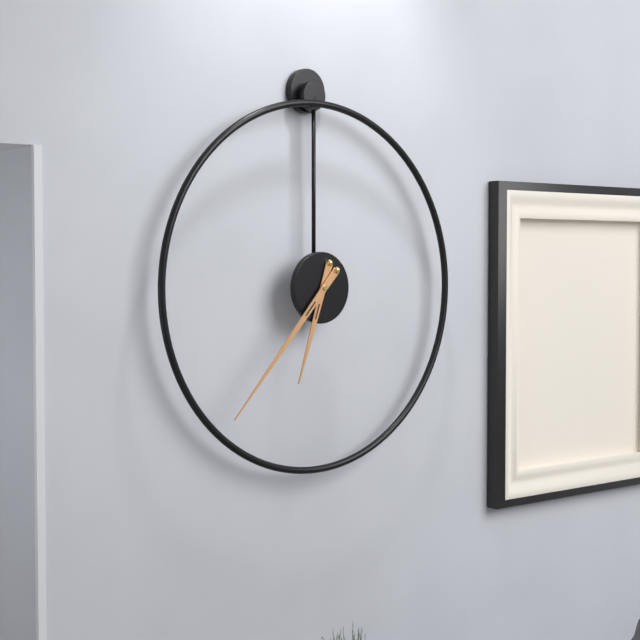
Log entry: 6:37
